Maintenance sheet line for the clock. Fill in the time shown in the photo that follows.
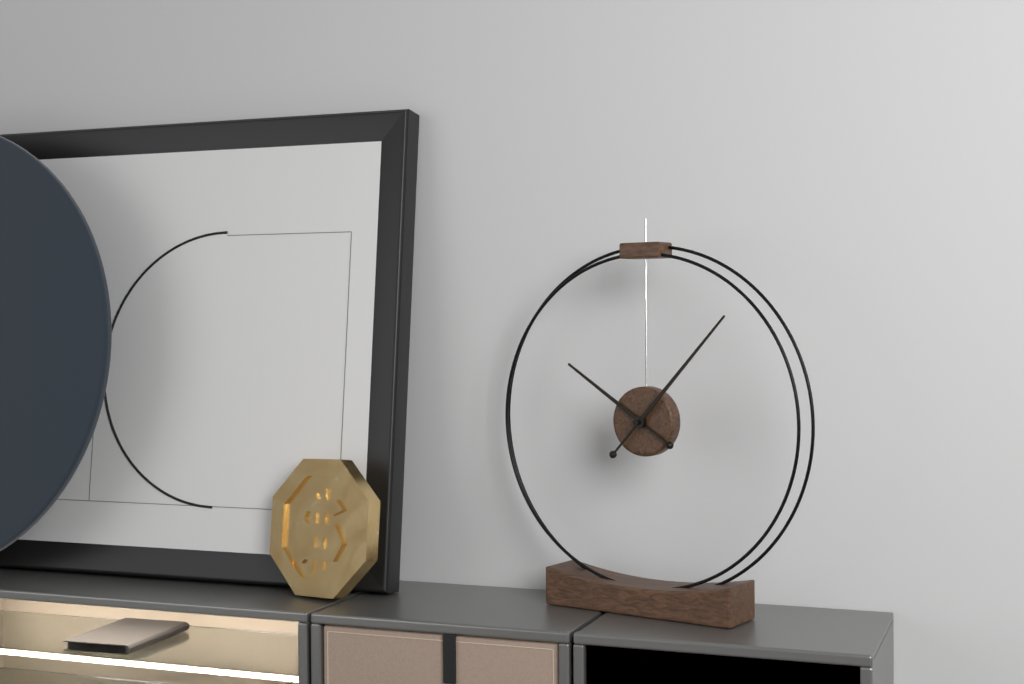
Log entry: 10:07
